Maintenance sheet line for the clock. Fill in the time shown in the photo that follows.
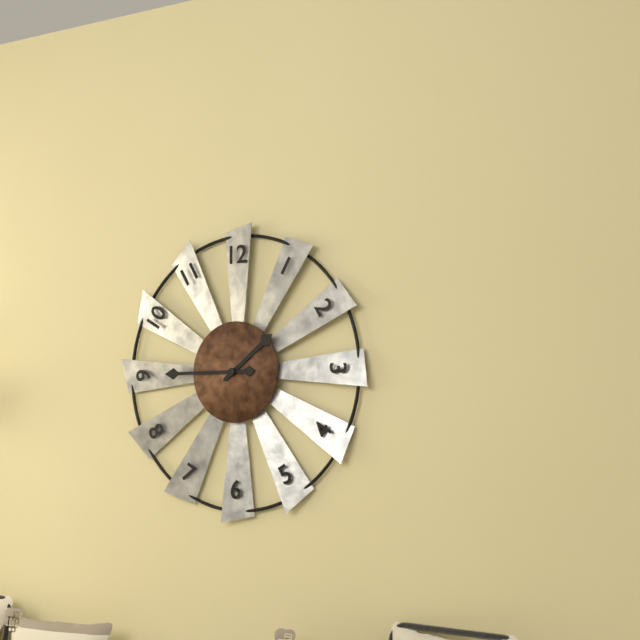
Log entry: 1:45
